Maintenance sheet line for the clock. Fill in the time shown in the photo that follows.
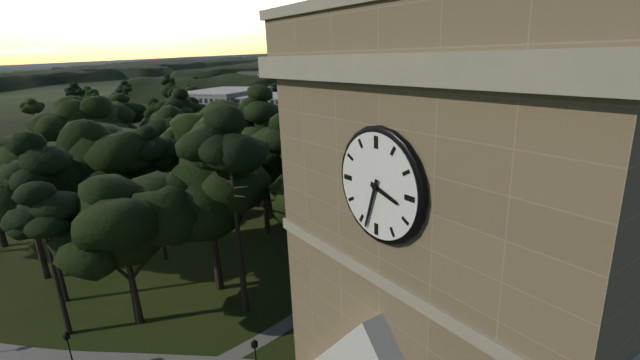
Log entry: 3:33
